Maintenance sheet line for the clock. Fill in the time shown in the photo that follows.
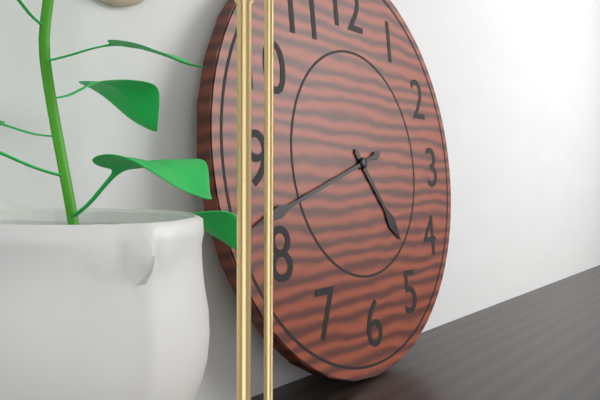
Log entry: 4:42
